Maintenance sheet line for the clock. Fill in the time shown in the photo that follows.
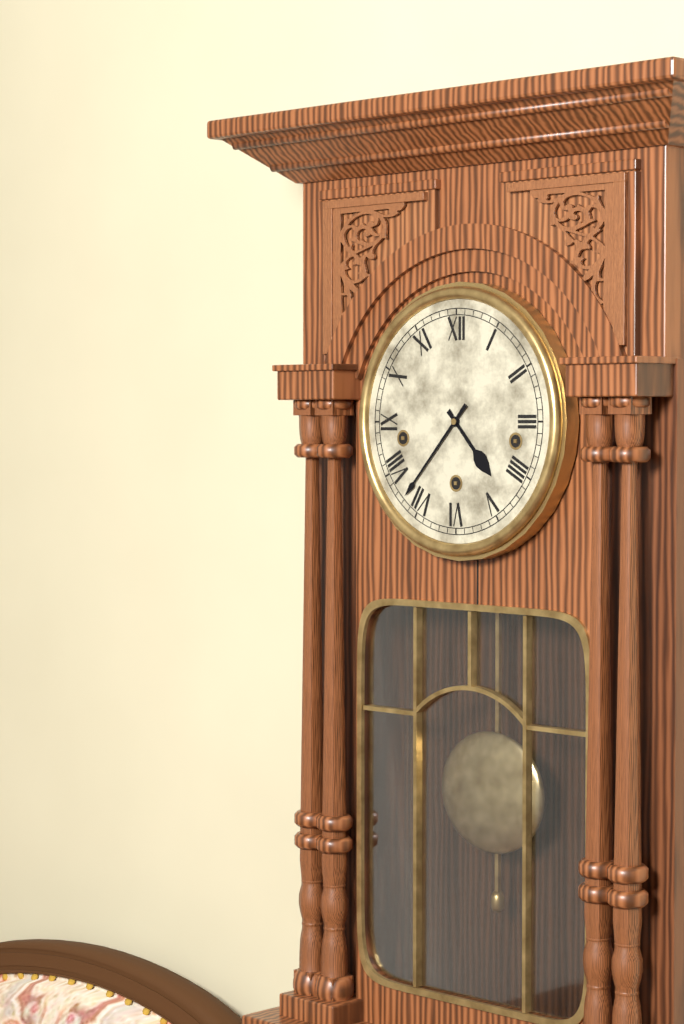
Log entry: 4:37
